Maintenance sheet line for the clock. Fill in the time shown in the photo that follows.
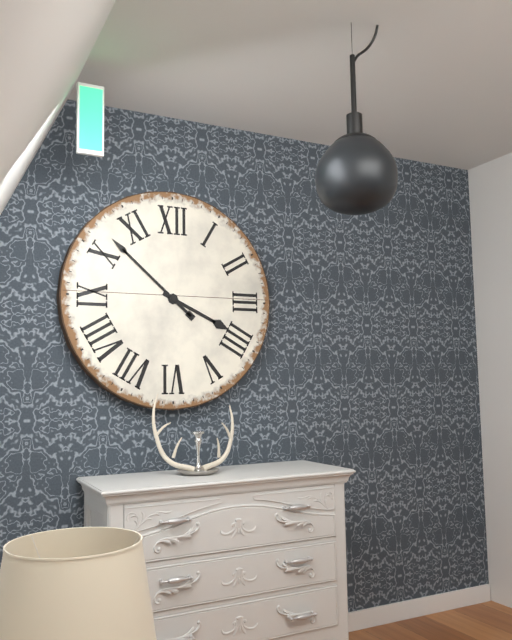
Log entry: 3:52
